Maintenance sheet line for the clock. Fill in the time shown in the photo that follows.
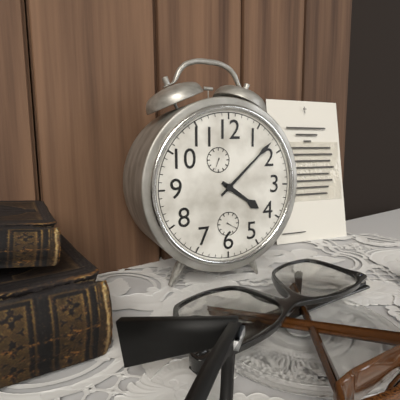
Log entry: 4:08
